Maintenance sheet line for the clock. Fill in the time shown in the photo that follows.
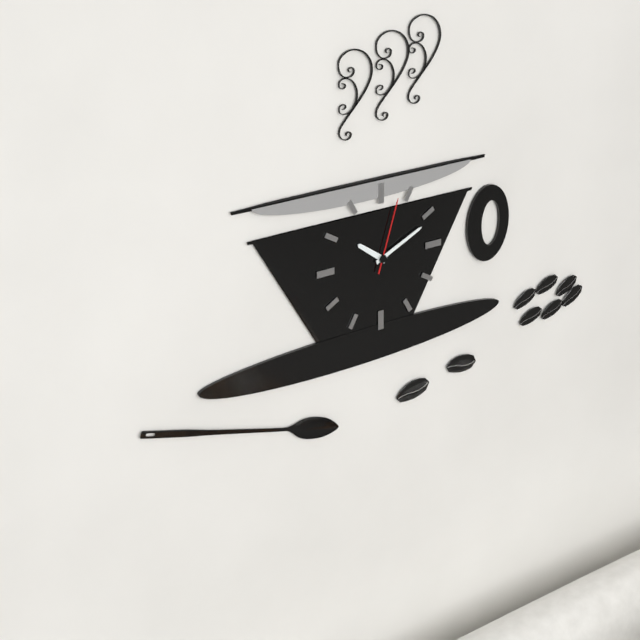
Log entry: 10:11:03
